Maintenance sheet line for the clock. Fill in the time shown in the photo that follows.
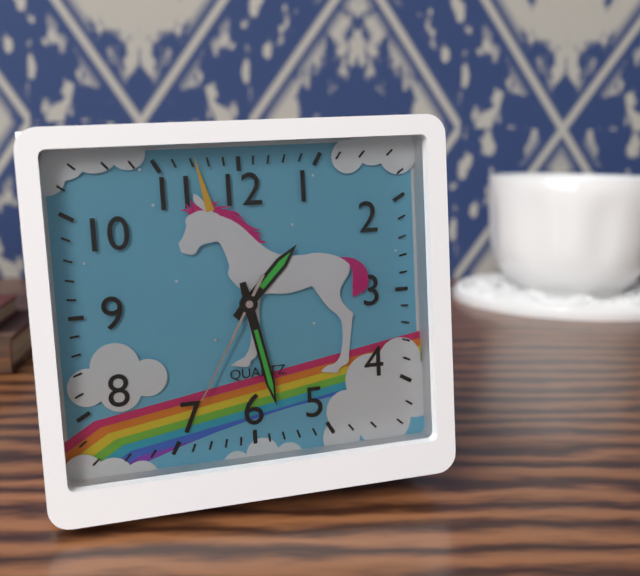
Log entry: 1:28:35
